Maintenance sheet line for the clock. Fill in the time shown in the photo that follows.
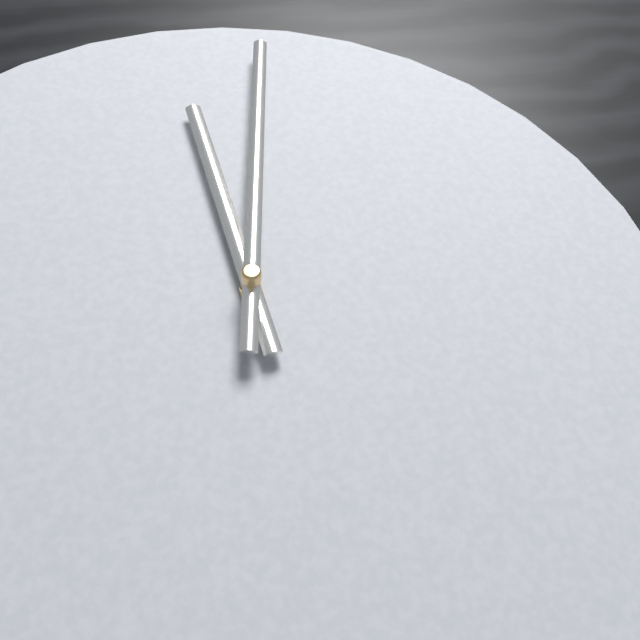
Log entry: 12:03
